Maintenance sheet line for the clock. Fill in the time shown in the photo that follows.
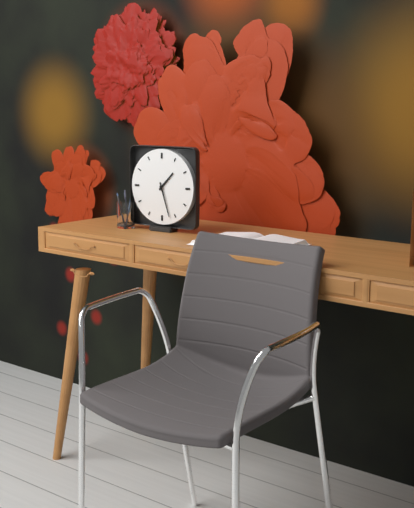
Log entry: 1:27
